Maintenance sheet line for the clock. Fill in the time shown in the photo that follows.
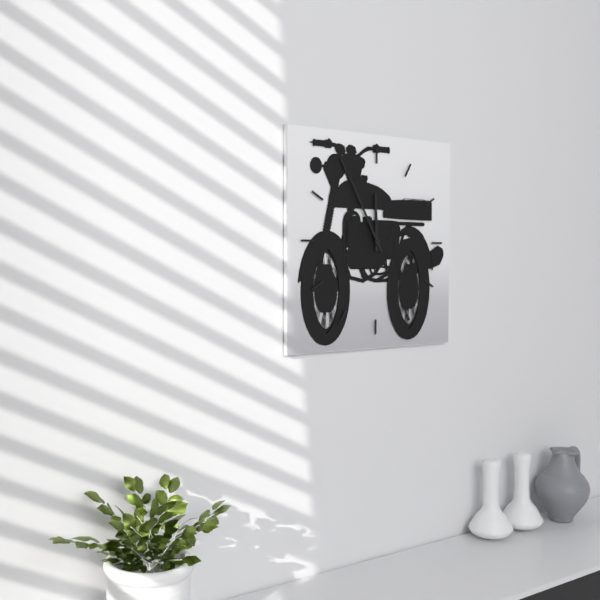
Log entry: 11:55
